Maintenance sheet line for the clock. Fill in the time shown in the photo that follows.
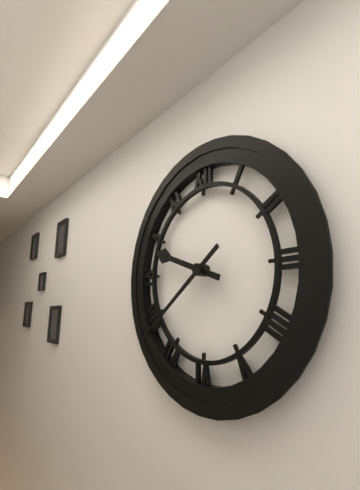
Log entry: 9:39
